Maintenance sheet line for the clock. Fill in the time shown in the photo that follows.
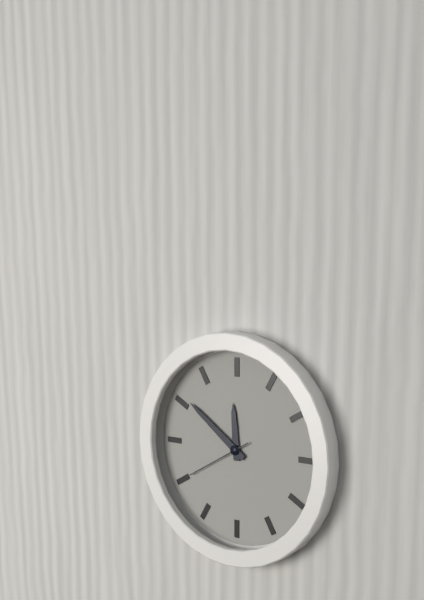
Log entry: 11:51:40
